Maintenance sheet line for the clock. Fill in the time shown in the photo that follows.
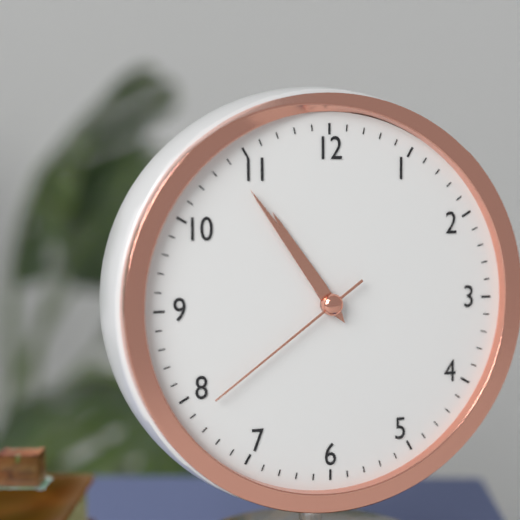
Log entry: 10:54:39
